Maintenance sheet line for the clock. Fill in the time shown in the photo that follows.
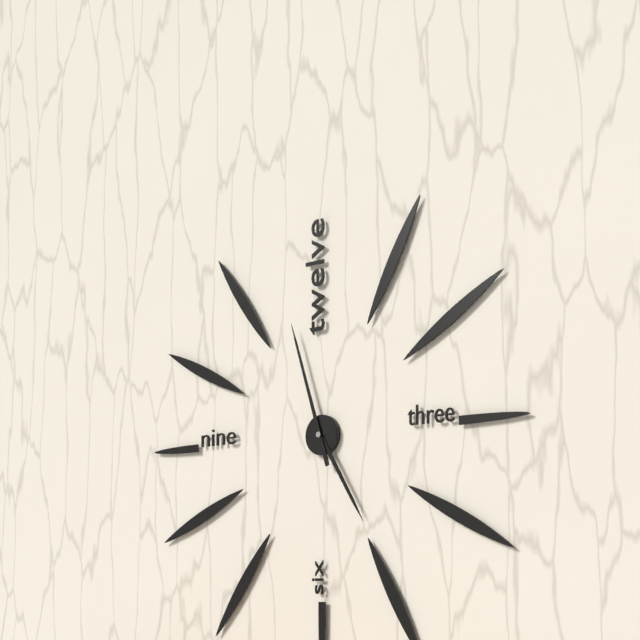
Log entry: 4:57
